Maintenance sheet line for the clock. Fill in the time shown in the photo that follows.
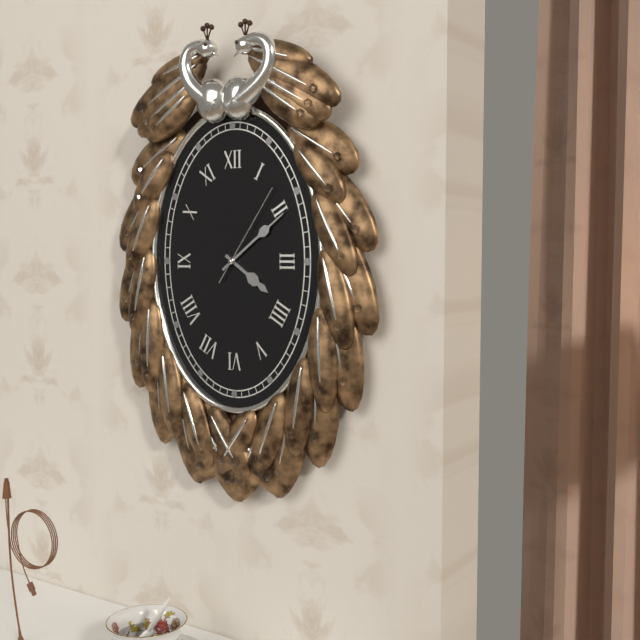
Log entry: 4:09:06
